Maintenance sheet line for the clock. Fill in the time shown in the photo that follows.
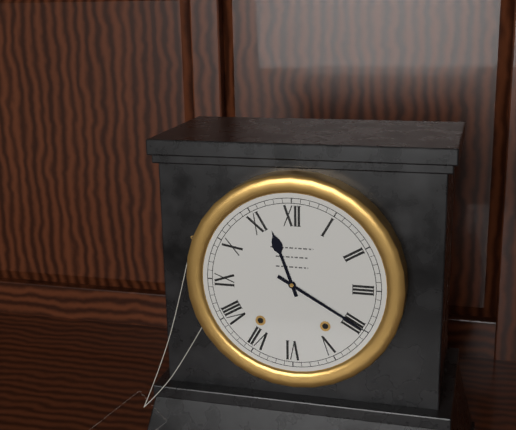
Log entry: 11:20
